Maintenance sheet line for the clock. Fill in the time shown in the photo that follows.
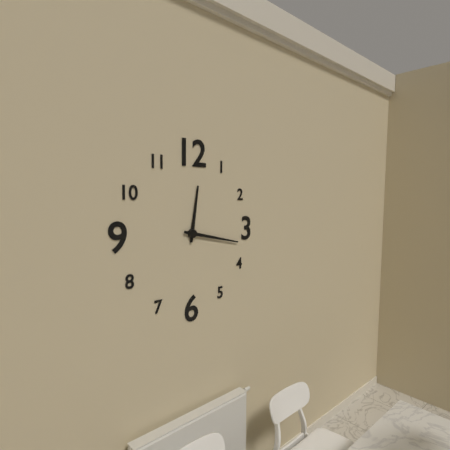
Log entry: 12:17
